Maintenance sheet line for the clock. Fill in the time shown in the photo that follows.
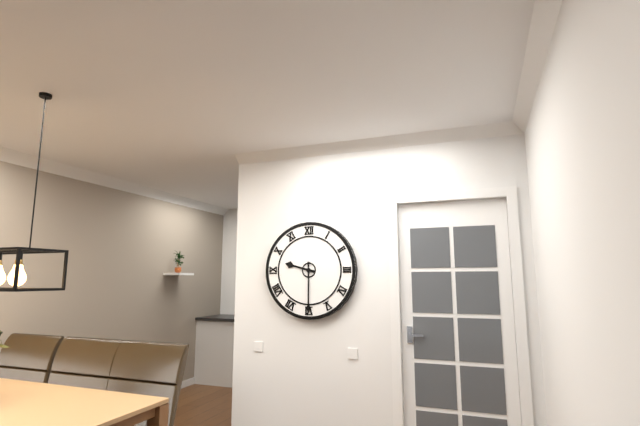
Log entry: 9:30
